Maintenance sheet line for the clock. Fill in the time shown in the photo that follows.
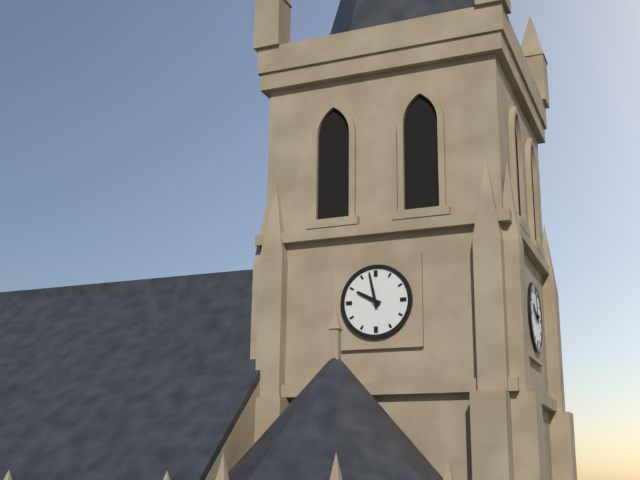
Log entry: 9:58
